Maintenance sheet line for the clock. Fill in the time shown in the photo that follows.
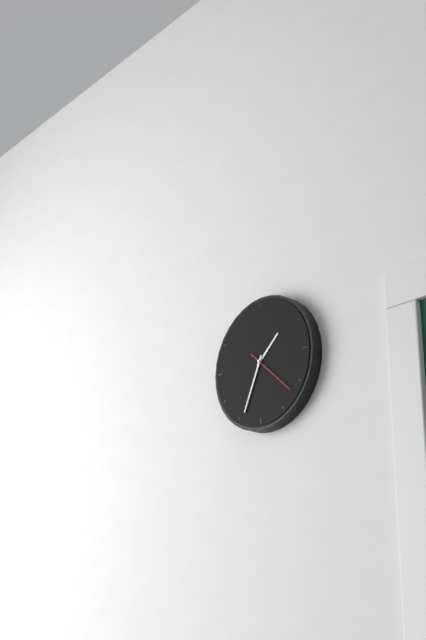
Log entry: 1:34:22
